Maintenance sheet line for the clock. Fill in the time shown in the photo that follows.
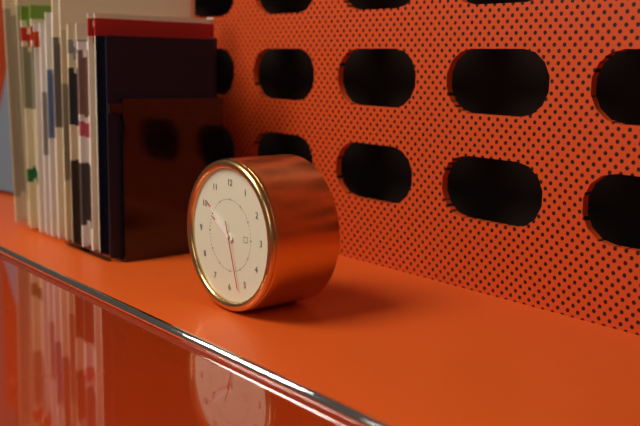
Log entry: 9:51:27
